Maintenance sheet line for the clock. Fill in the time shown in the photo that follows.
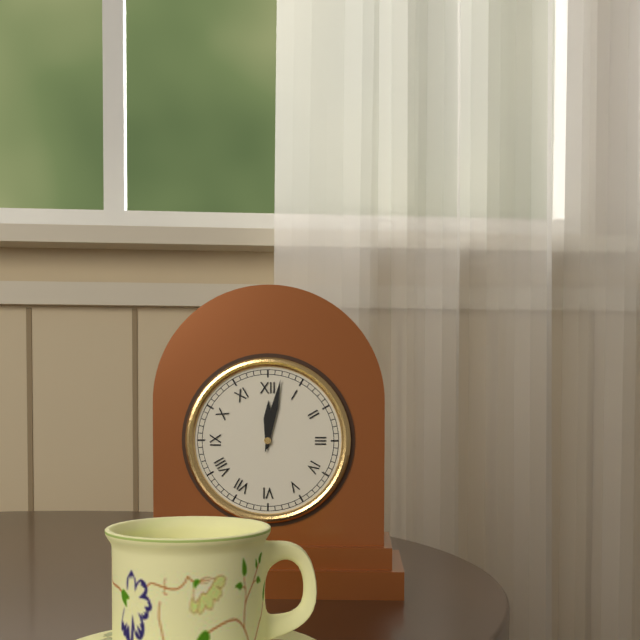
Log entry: 12:02
